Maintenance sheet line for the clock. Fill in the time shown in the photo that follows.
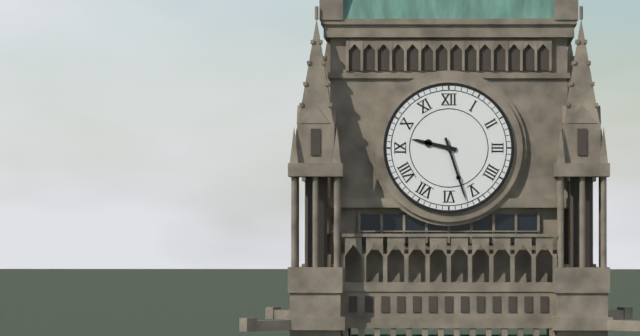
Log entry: 9:27
